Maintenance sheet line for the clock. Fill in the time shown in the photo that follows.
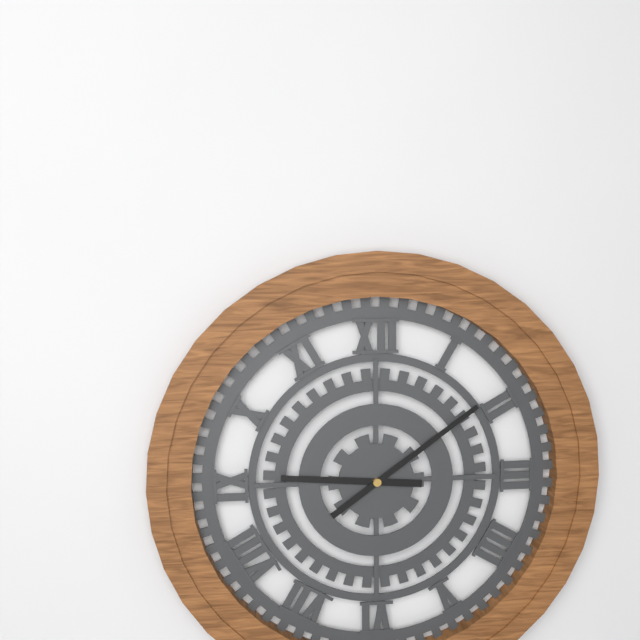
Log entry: 9:09
